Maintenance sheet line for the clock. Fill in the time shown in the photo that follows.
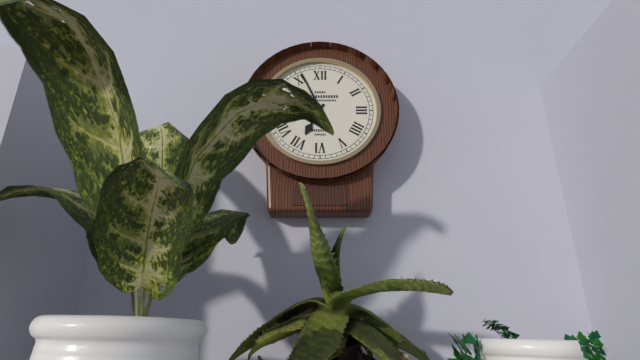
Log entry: 6:56
